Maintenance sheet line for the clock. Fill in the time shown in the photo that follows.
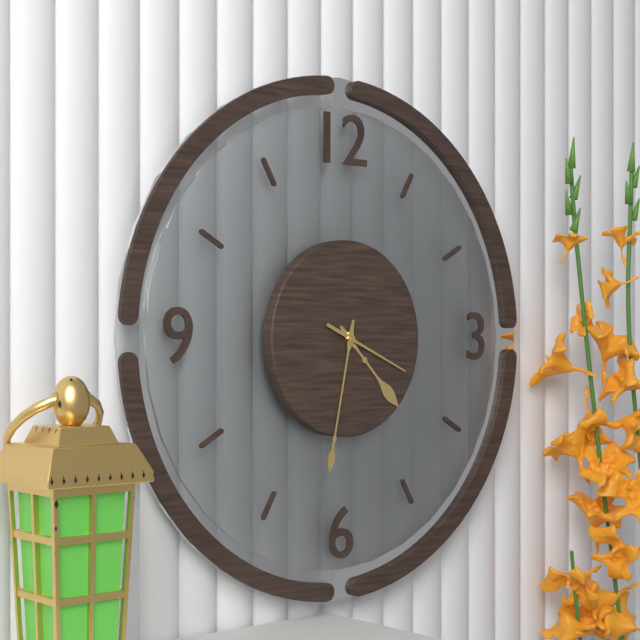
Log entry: 4:32:19
